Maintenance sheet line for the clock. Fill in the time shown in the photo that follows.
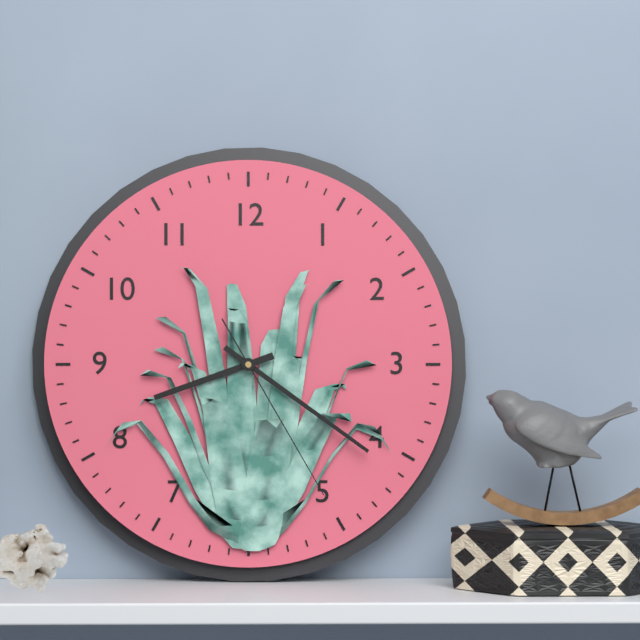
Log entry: 8:21:25
